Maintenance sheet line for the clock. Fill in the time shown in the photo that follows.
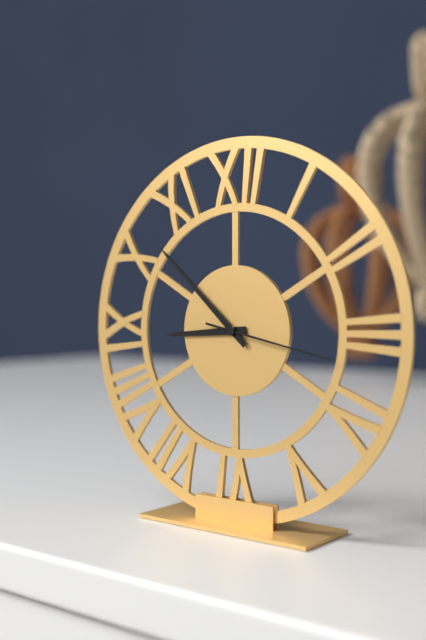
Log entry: 8:52:17
